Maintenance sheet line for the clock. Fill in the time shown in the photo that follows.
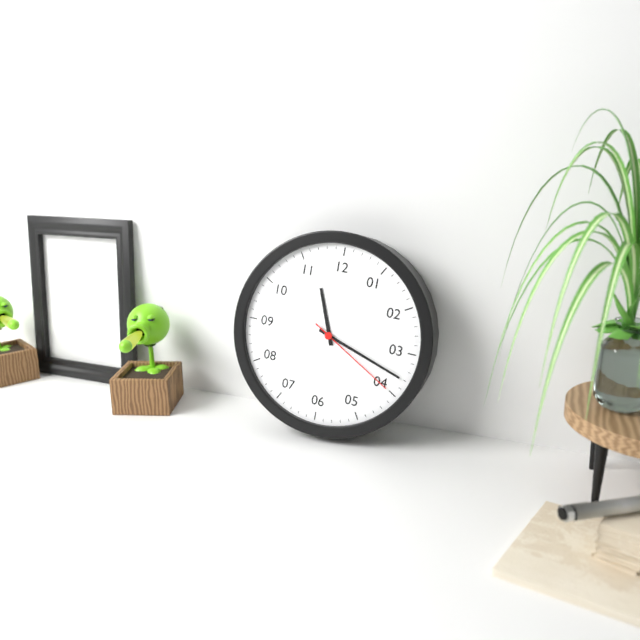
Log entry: 11:18:20
